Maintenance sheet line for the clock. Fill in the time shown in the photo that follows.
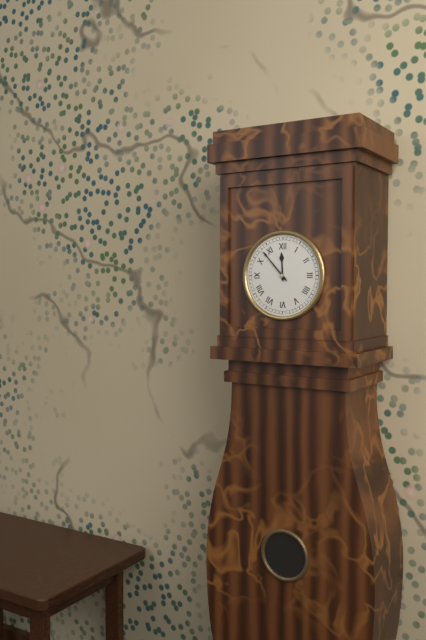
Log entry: 11:53
